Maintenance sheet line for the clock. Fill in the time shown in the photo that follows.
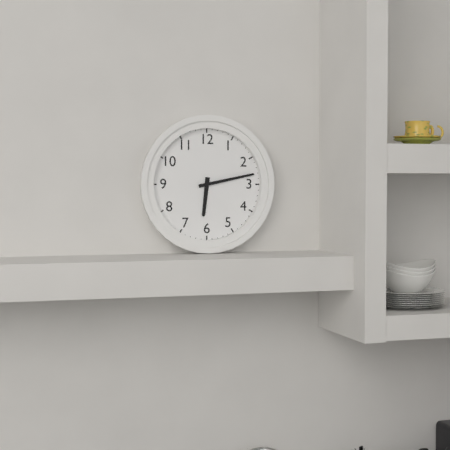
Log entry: 6:13
